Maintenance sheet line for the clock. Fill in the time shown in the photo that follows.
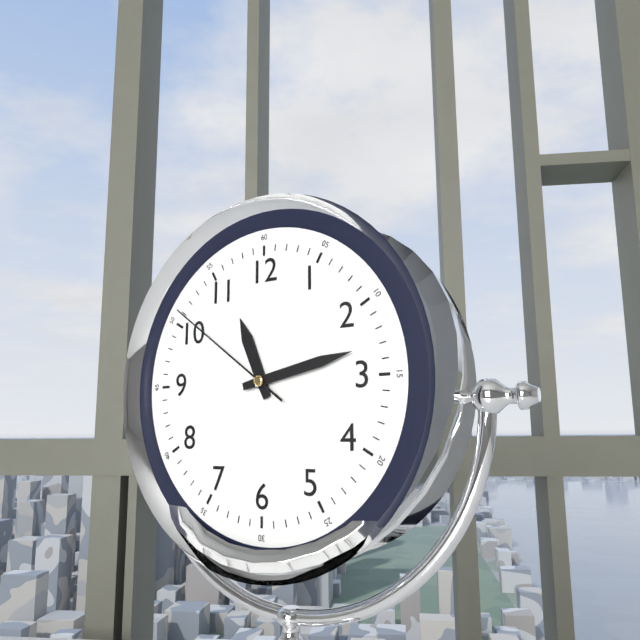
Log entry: 11:13:51
